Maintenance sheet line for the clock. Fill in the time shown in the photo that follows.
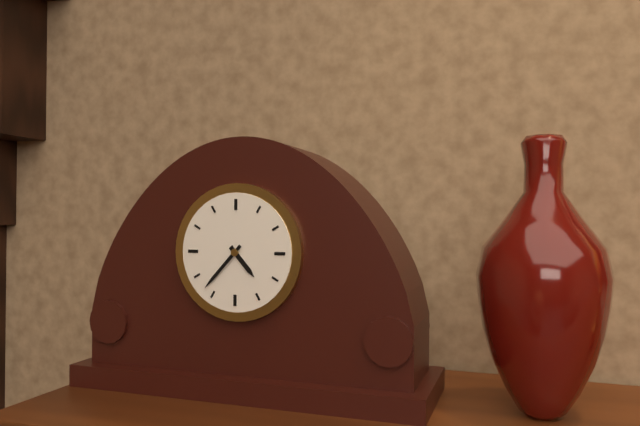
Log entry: 4:37
